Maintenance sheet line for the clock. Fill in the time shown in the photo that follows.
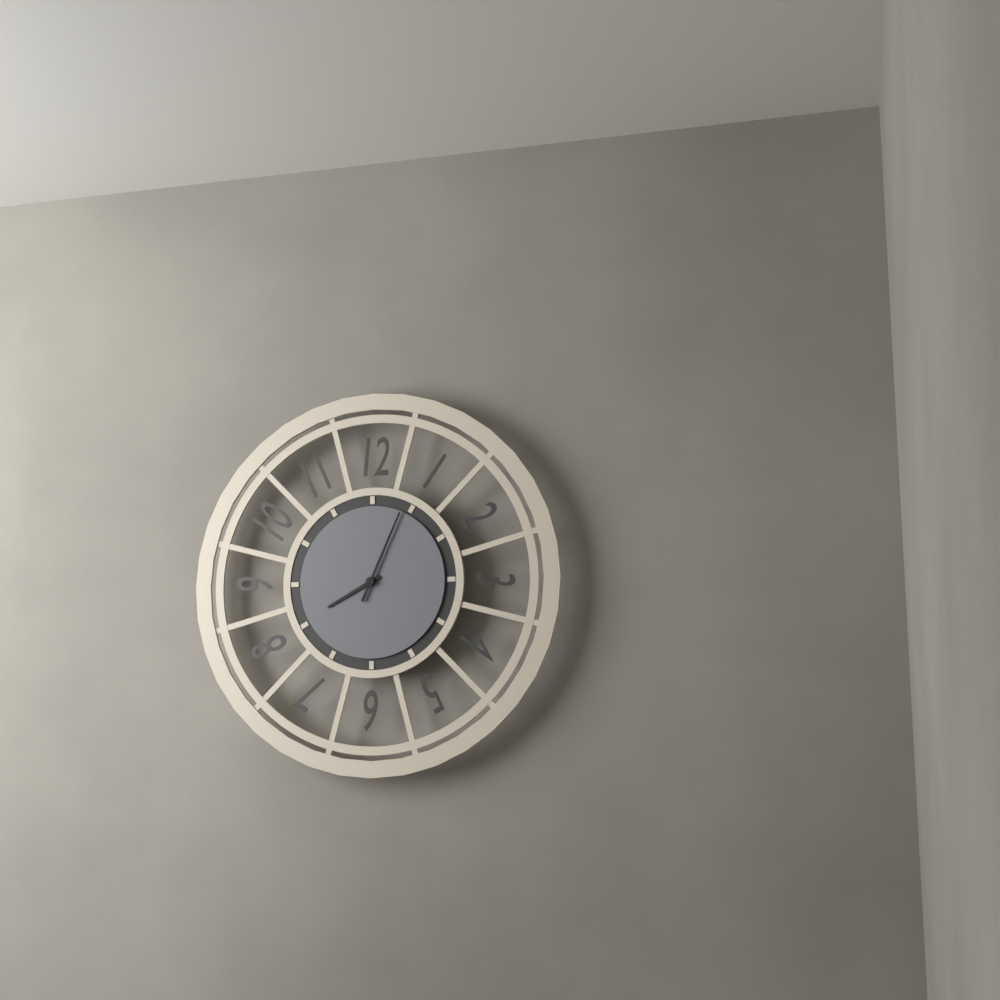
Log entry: 8:04
